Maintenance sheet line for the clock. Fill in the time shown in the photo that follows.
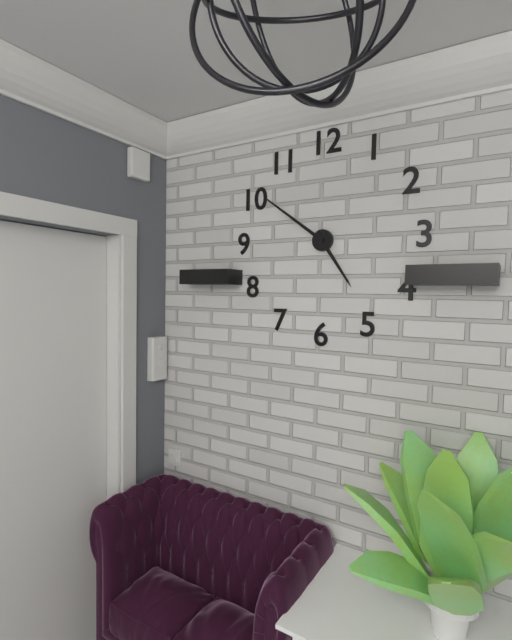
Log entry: 4:51
